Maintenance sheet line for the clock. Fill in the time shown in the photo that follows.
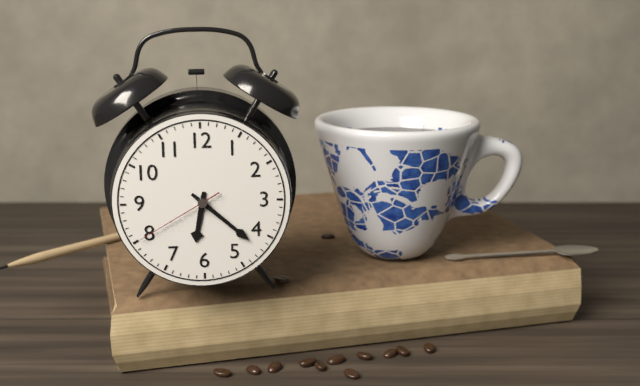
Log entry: 6:22:40
